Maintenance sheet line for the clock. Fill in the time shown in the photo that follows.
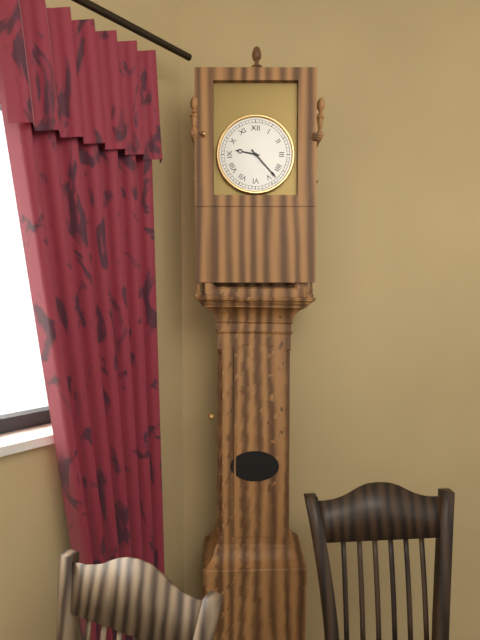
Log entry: 9:23
